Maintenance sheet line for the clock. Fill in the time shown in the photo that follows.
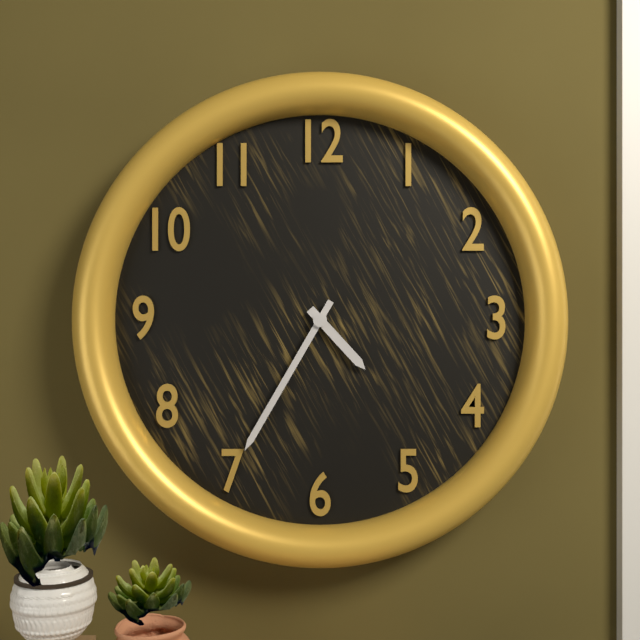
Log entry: 4:35
